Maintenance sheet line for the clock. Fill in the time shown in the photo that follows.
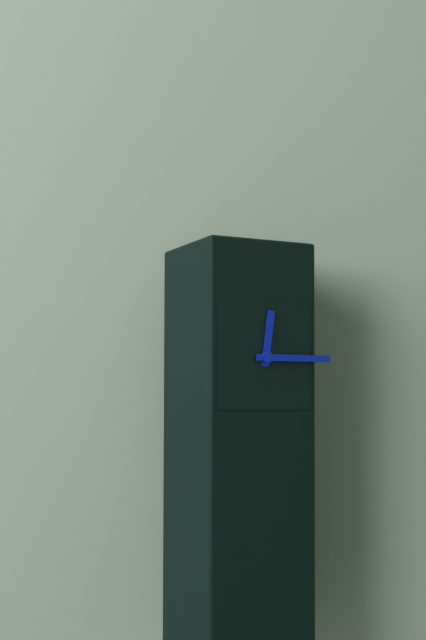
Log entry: 12:15
